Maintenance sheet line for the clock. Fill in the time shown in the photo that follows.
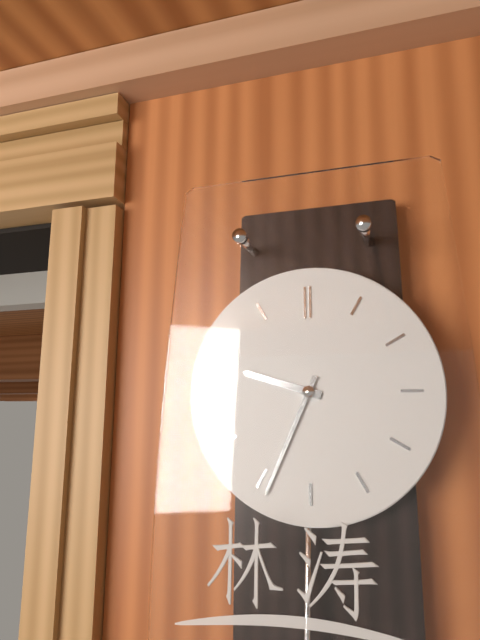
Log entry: 9:34
